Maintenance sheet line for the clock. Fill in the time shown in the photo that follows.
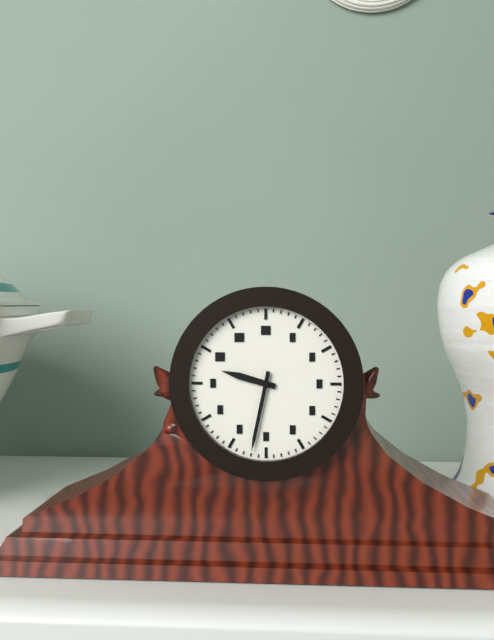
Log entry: 9:32
